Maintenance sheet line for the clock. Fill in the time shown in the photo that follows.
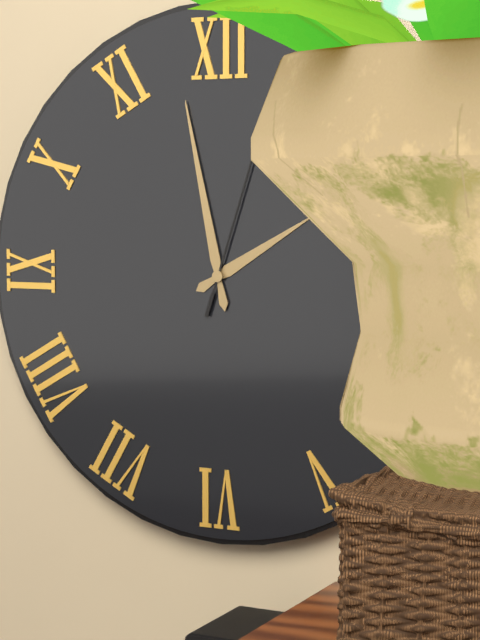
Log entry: 1:58:03
